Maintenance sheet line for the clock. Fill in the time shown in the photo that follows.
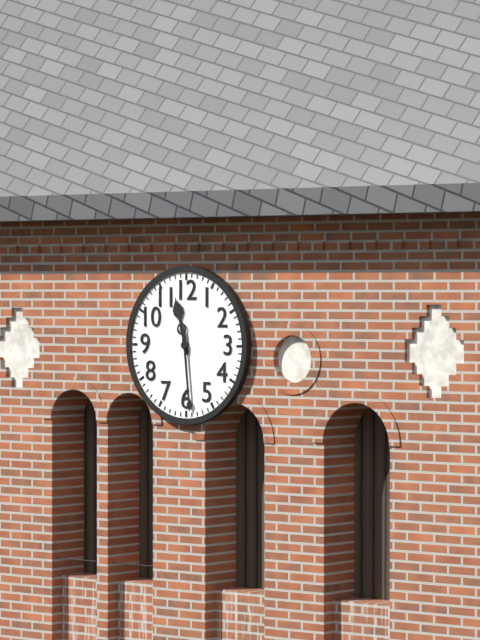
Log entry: 11:29
